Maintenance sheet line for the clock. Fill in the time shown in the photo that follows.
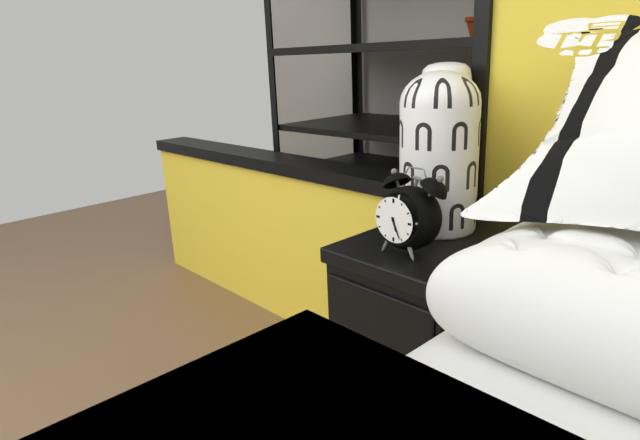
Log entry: 5:26
